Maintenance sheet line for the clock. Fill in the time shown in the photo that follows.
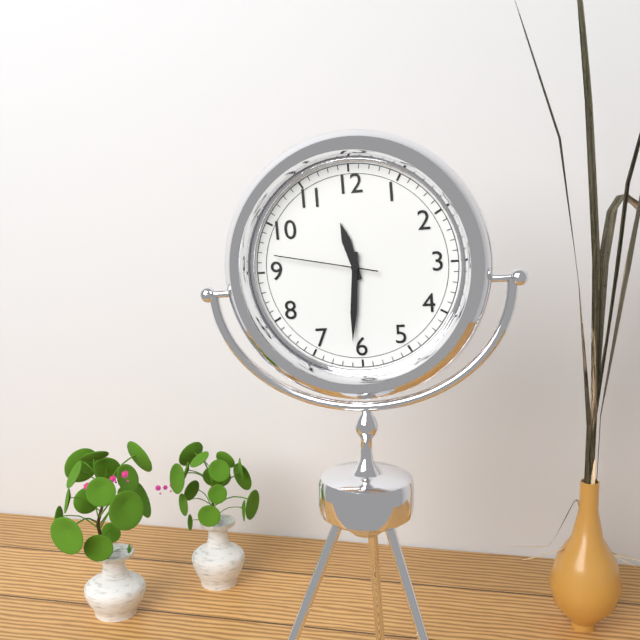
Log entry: 11:31:47
